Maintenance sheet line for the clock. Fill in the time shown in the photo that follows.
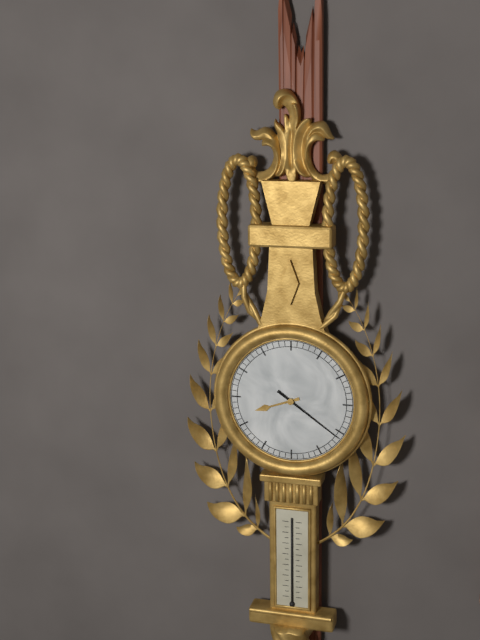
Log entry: 8:21
